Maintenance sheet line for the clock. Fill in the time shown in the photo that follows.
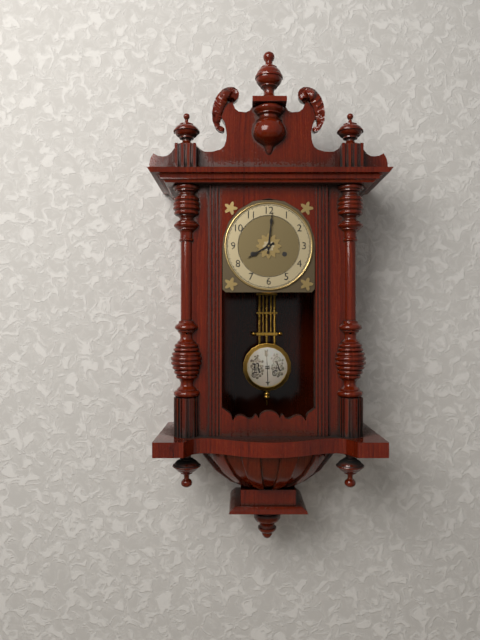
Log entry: 8:01
